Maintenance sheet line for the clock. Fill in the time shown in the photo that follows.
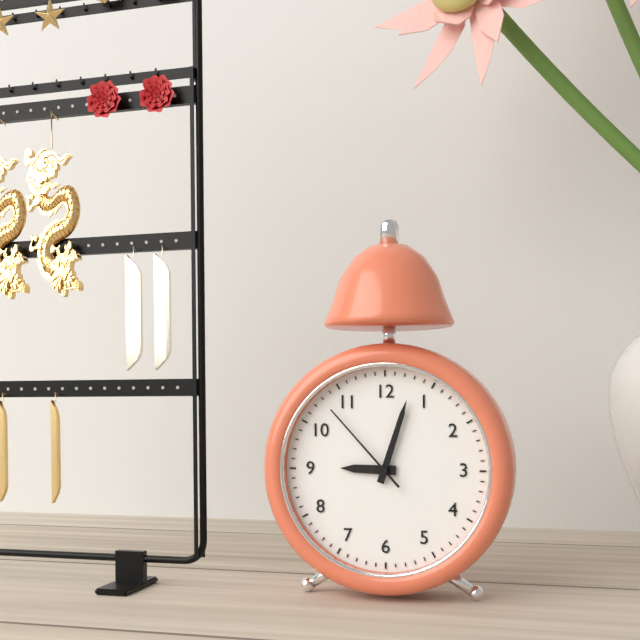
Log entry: 9:03:53
